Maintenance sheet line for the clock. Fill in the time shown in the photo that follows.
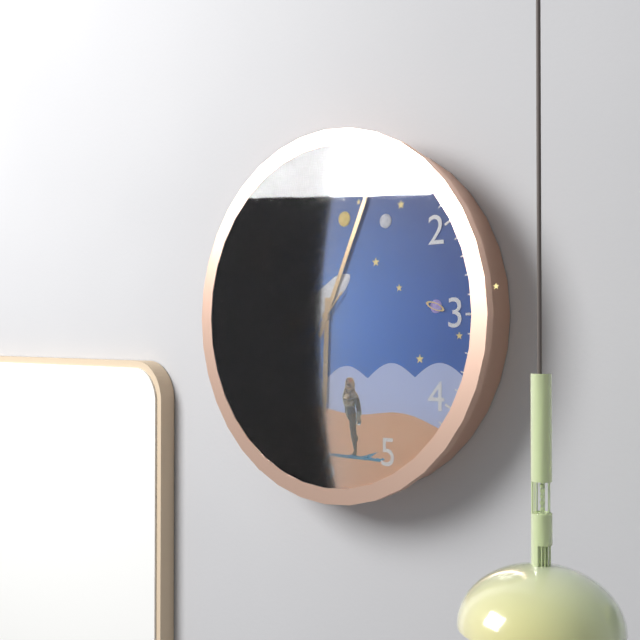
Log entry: 6:04:37
